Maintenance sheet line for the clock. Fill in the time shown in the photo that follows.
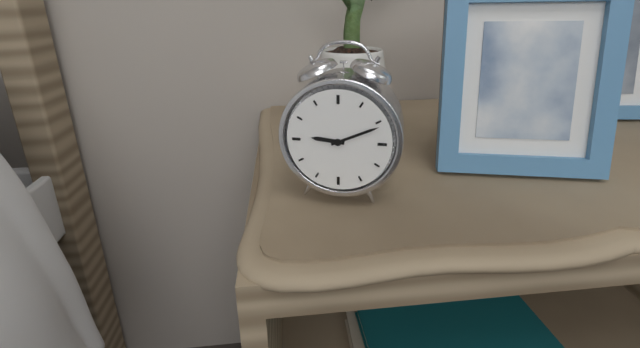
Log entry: 9:11
